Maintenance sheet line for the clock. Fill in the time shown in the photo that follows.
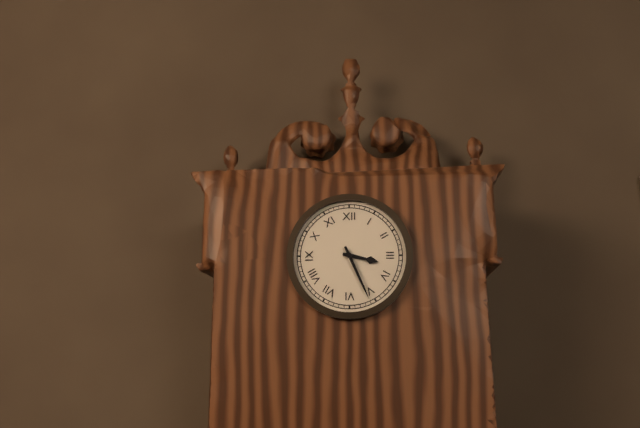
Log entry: 3:26
